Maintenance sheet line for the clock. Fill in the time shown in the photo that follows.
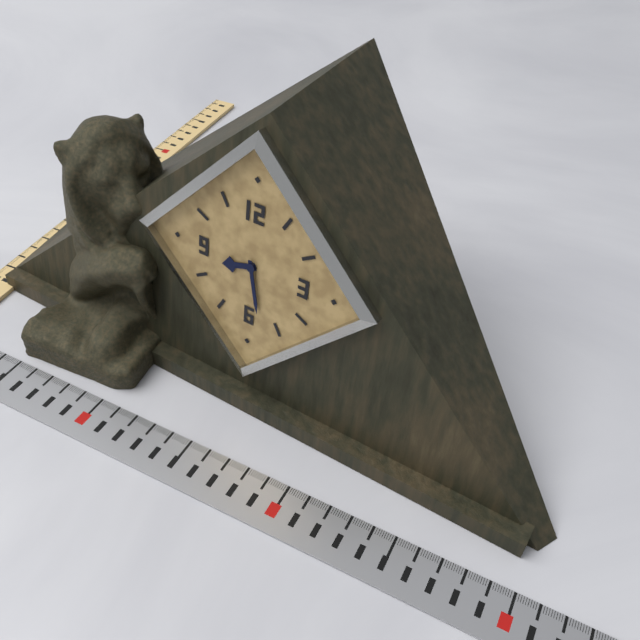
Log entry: 8:28
